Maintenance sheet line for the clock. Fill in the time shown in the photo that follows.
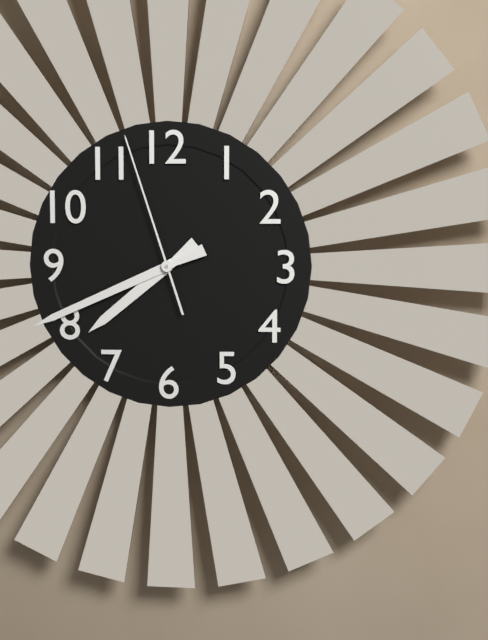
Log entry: 7:41:57
